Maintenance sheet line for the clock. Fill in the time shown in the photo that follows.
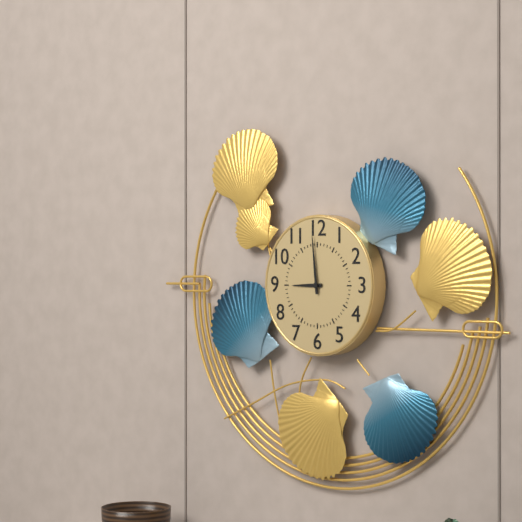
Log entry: 8:59
